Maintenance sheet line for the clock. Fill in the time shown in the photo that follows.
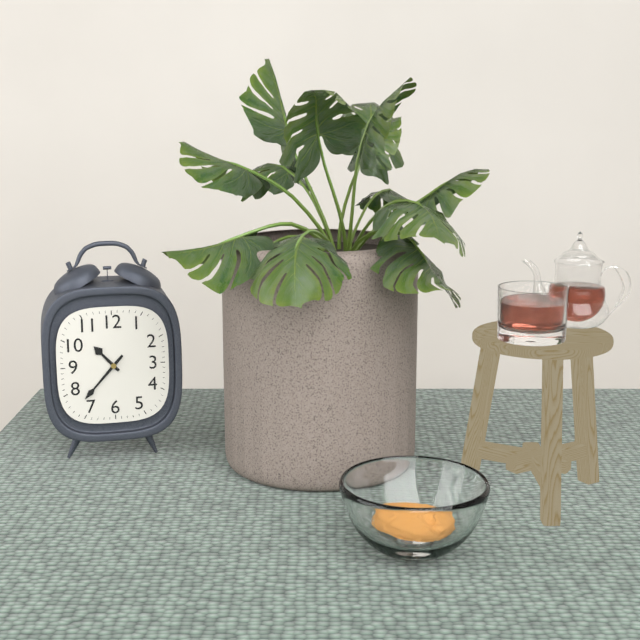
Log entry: 10:37
